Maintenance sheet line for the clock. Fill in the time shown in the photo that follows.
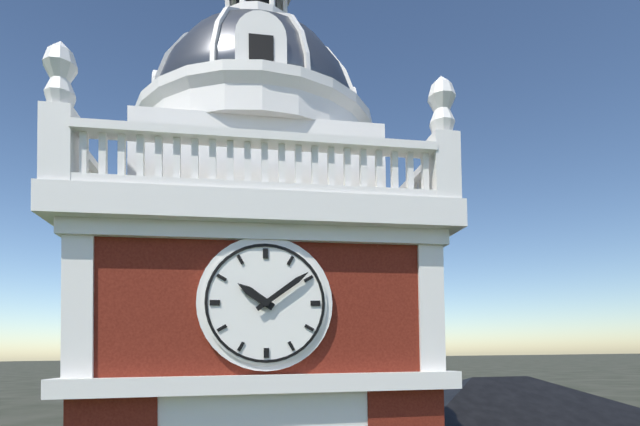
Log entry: 10:09
